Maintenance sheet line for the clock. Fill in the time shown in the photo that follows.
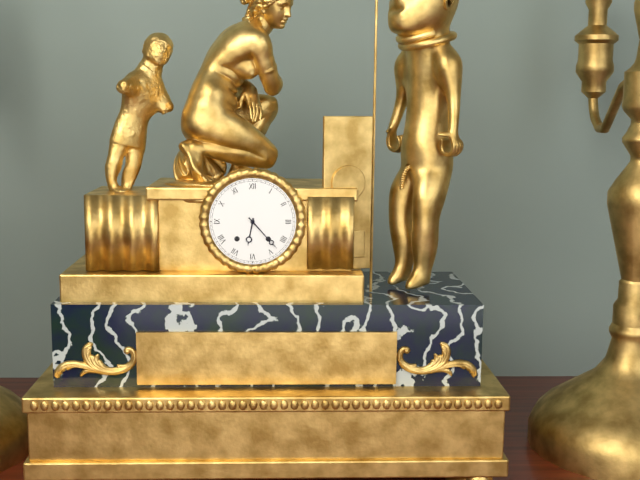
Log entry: 6:23
